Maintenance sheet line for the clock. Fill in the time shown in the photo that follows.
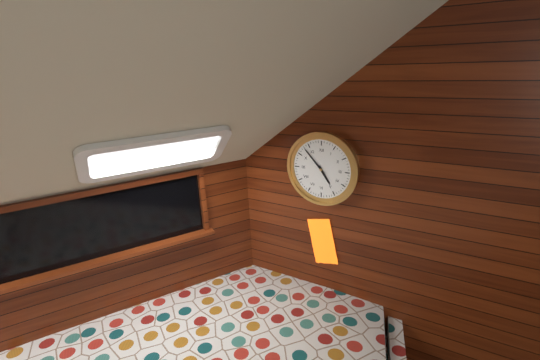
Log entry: 4:53
